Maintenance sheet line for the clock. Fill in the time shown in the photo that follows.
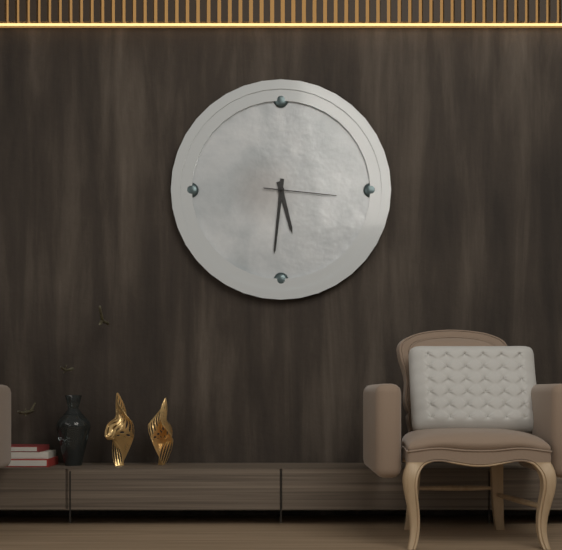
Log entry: 5:31:16
